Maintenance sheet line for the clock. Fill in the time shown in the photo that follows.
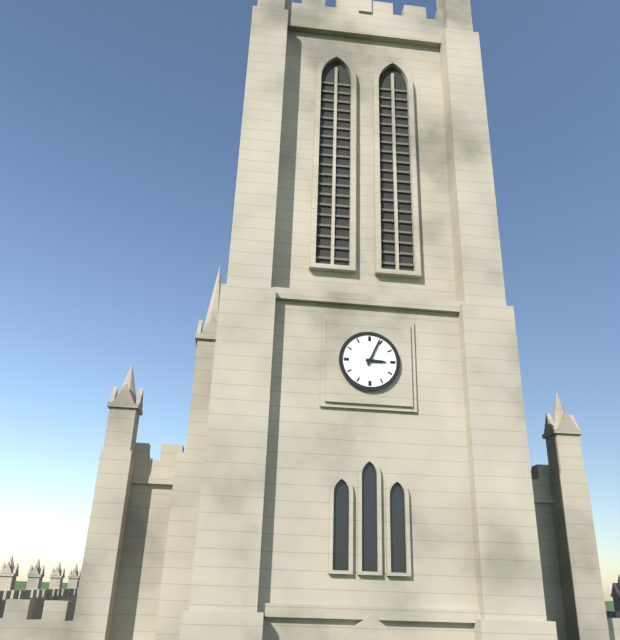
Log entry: 3:04
